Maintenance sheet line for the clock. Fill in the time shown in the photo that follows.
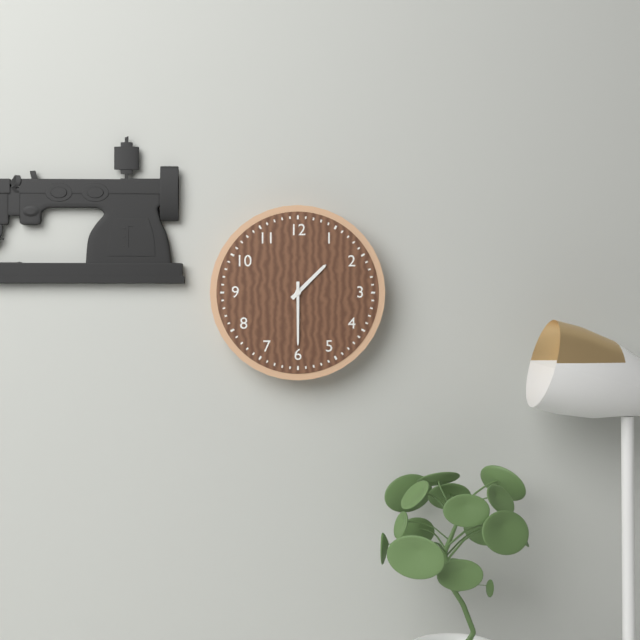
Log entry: 1:30
